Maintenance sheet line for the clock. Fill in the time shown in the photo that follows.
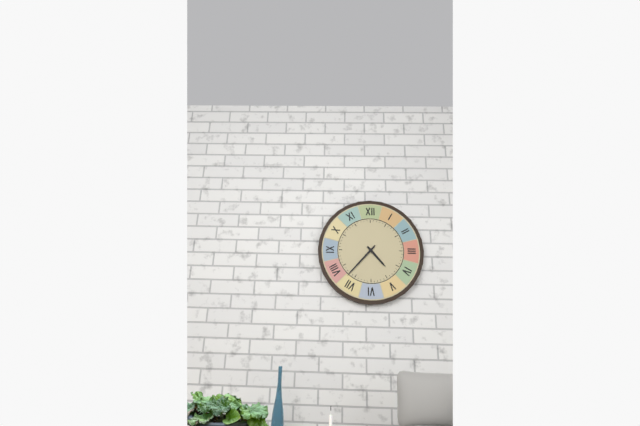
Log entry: 4:37
